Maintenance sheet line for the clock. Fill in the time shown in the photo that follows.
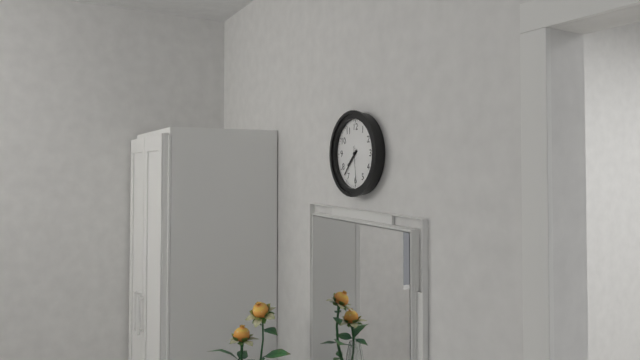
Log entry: 7:37
